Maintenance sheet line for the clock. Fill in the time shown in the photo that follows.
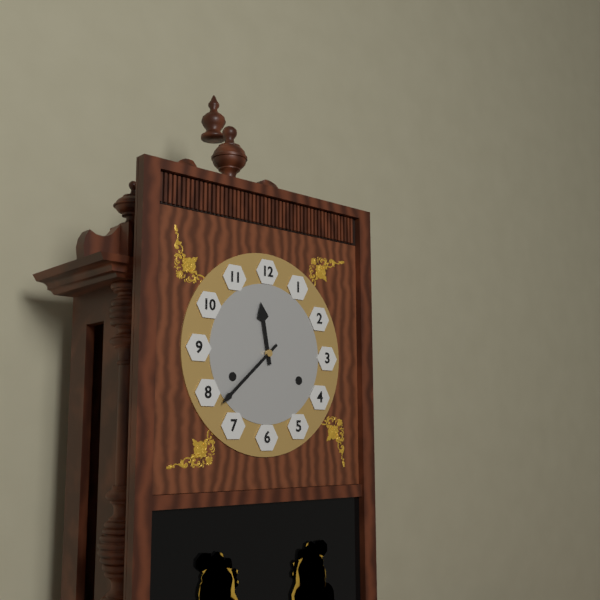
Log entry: 11:38
